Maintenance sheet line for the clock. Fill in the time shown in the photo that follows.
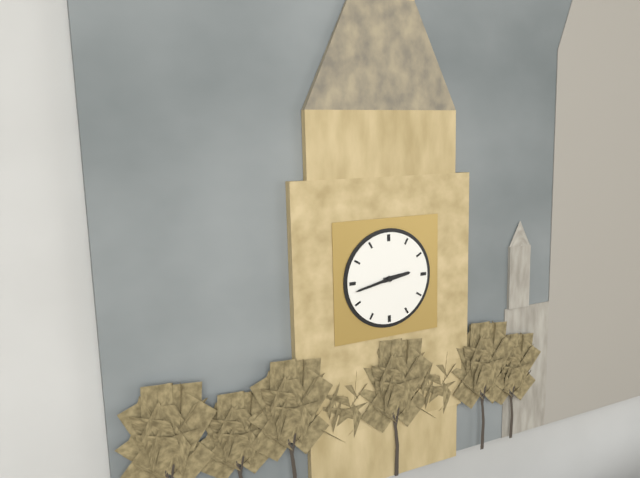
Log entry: 2:43
